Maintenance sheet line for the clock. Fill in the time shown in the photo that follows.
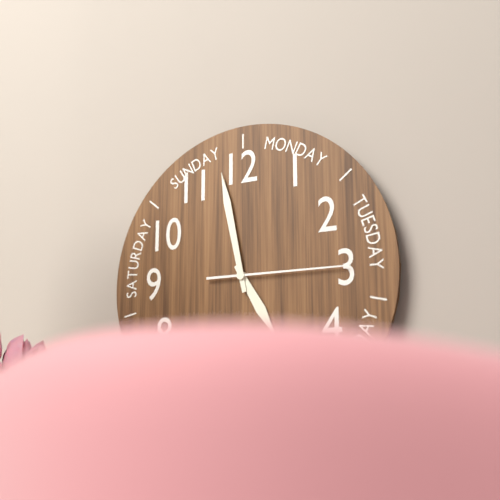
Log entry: 4:58:15
